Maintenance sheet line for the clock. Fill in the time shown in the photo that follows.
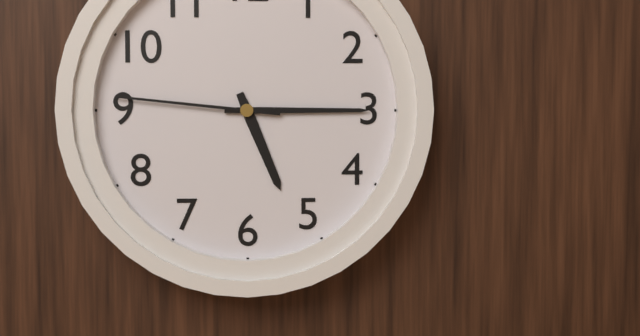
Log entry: 5:15:46
